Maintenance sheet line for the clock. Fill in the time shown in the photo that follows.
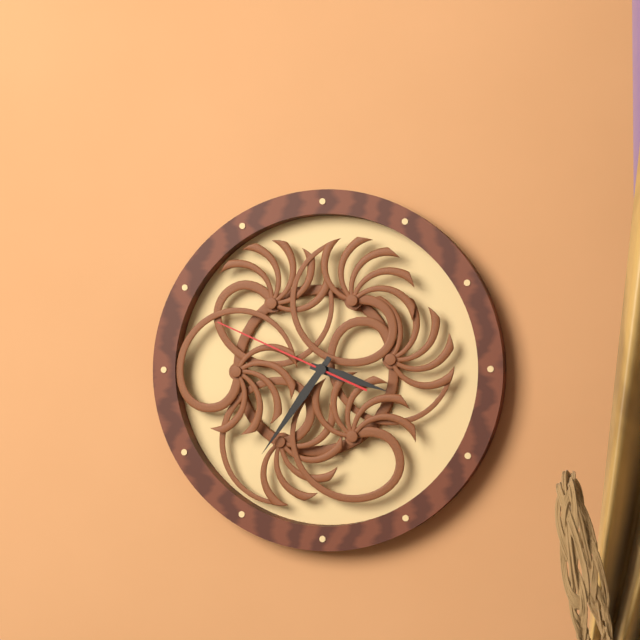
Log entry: 3:36:49
